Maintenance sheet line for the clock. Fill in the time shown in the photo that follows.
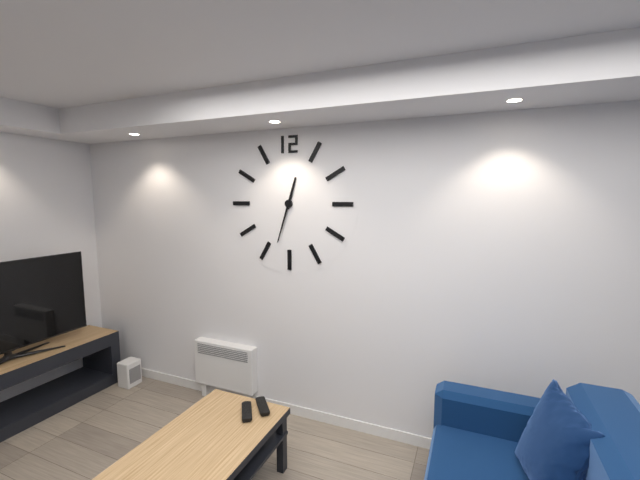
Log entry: 12:33
